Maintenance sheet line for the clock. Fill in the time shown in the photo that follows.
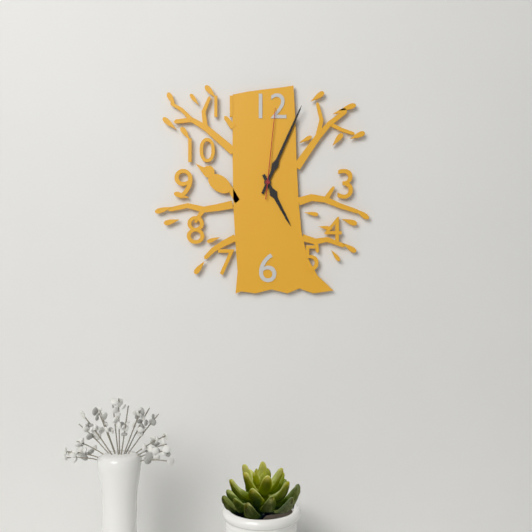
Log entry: 5:04:01
